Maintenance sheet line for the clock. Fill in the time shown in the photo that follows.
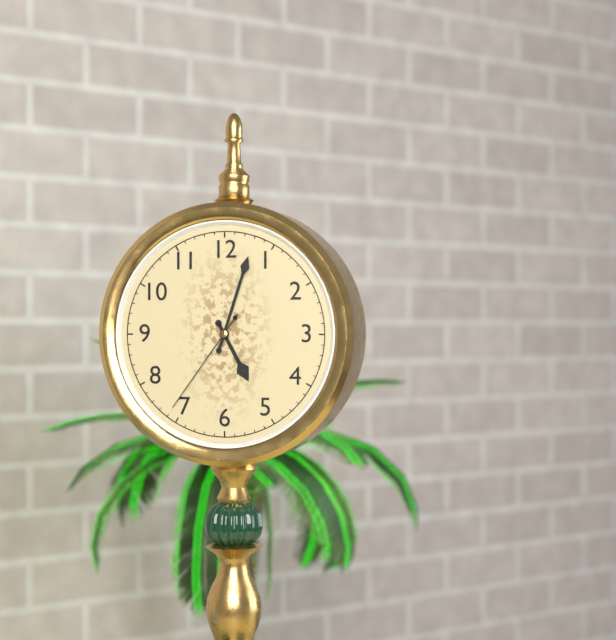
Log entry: 5:03:36
